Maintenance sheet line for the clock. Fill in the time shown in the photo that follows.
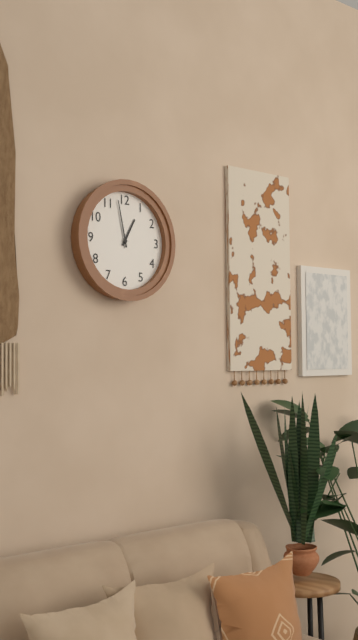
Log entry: 12:58
